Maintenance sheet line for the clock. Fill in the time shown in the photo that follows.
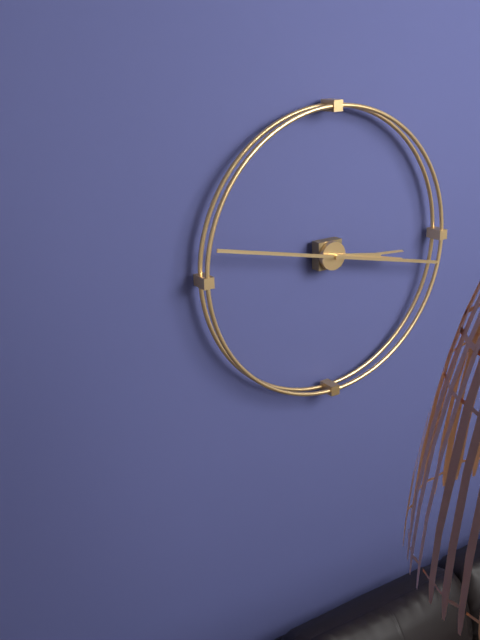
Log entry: 3:17
